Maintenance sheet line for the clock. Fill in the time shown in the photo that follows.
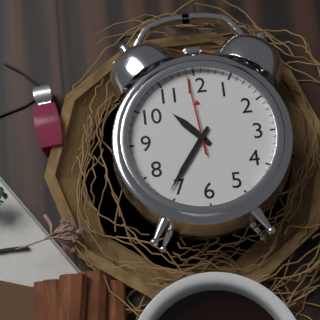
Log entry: 10:36:59
